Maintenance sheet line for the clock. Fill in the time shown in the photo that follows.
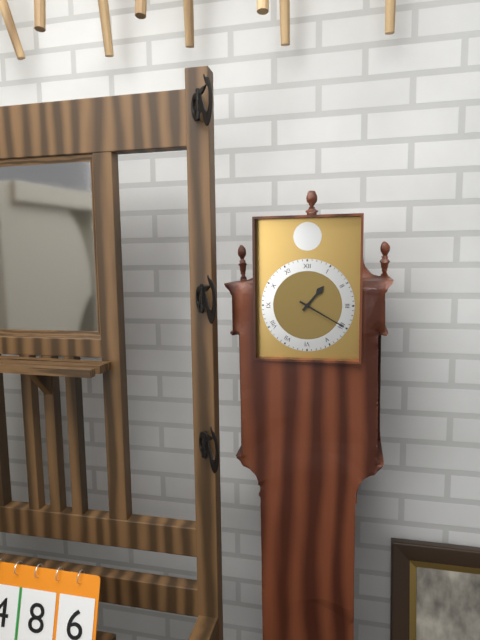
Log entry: 1:20
